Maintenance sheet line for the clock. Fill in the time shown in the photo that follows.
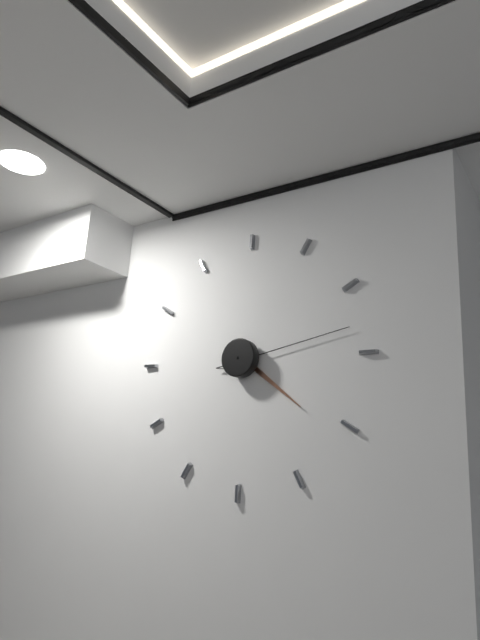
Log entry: 4:13
